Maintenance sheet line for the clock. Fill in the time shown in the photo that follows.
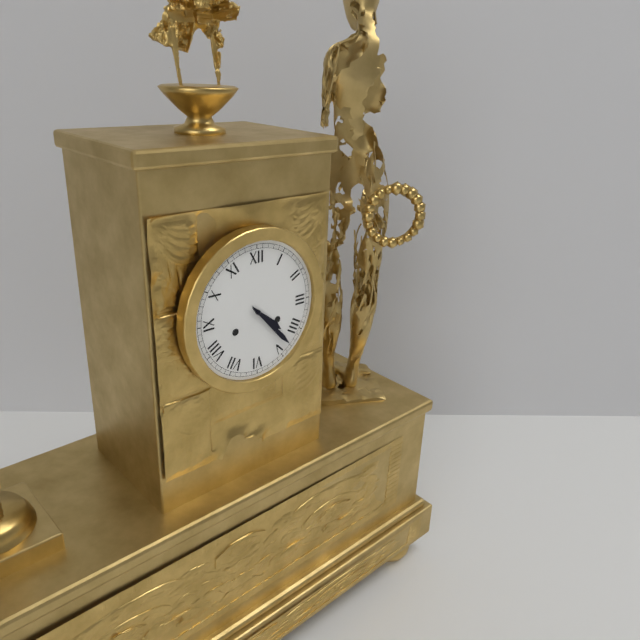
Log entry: 4:23
